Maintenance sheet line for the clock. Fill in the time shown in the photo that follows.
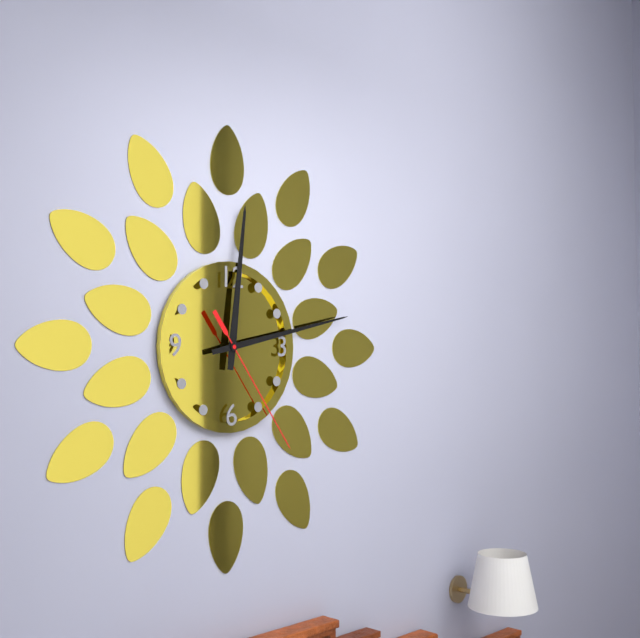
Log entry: 12:13:24
